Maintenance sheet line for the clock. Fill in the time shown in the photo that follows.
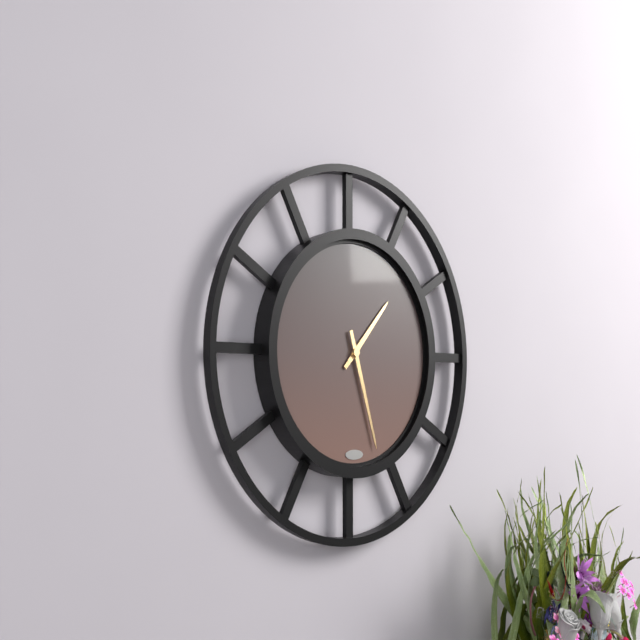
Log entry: 1:27
